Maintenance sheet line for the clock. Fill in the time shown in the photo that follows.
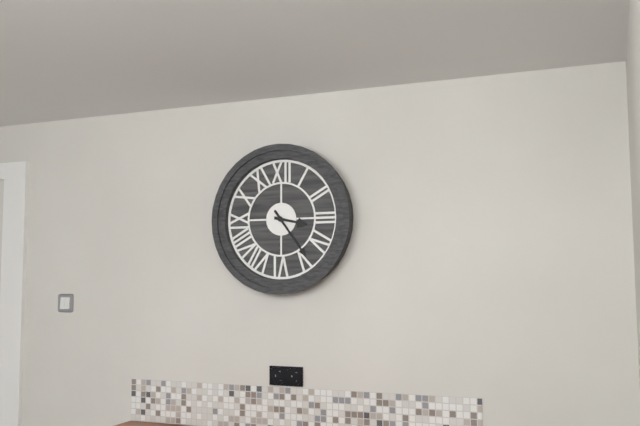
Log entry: 3:24
